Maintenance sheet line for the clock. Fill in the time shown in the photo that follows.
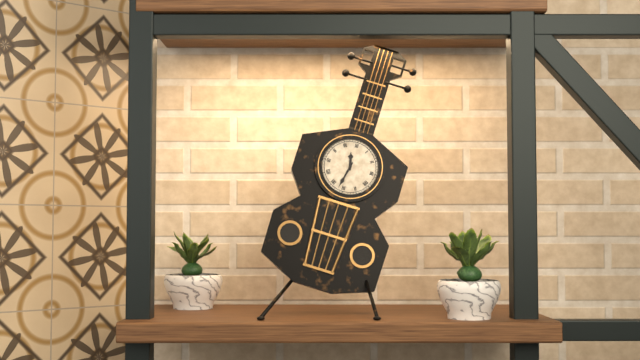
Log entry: 11:32
